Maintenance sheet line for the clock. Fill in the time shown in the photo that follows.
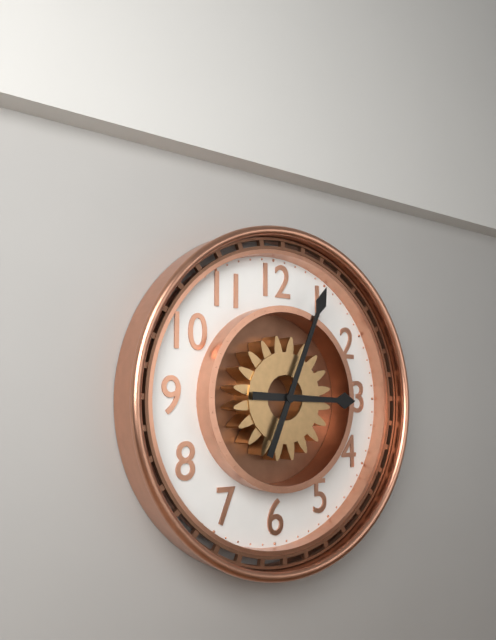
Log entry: 3:04
